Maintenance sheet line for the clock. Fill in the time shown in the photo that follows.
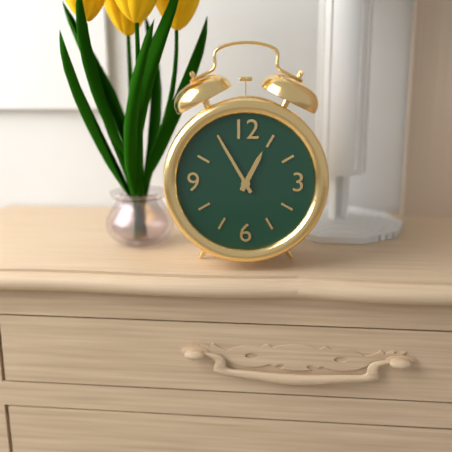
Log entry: 12:55
